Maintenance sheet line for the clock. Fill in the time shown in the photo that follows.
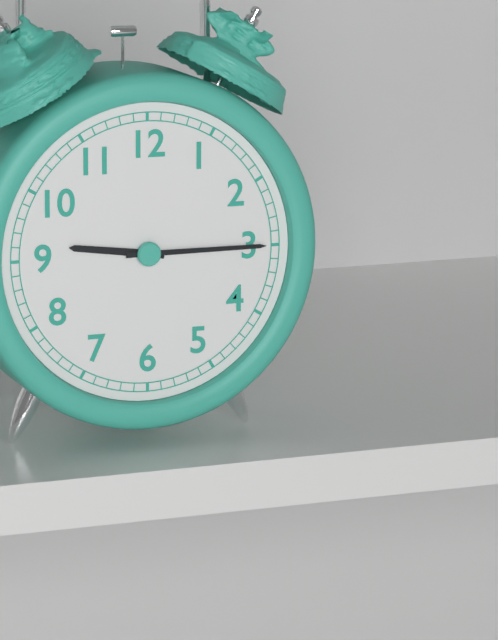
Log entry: 9:15
